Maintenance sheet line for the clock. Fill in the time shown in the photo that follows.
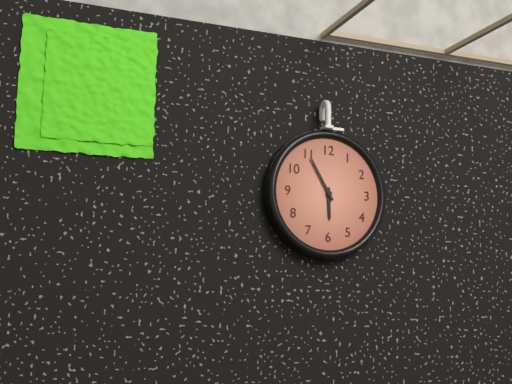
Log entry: 5:55
